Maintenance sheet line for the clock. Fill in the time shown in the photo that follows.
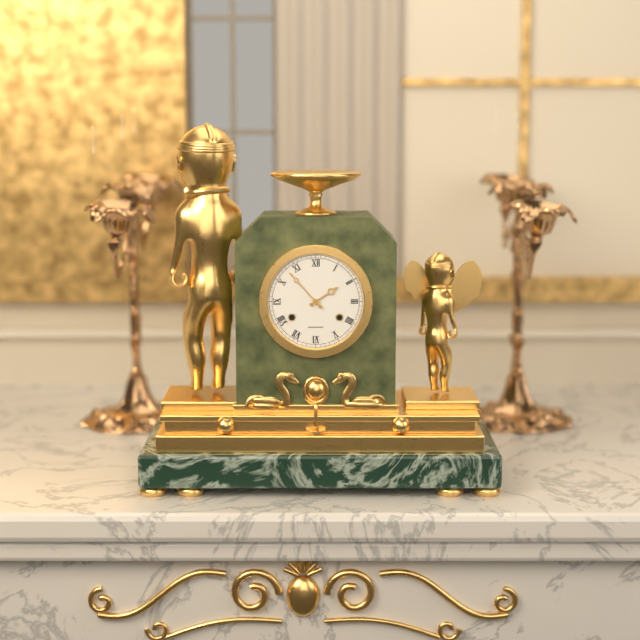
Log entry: 1:53
